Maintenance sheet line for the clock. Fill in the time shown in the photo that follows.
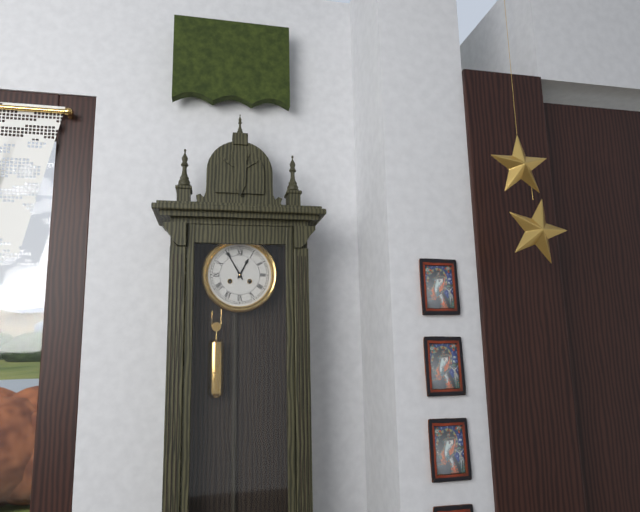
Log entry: 12:55
